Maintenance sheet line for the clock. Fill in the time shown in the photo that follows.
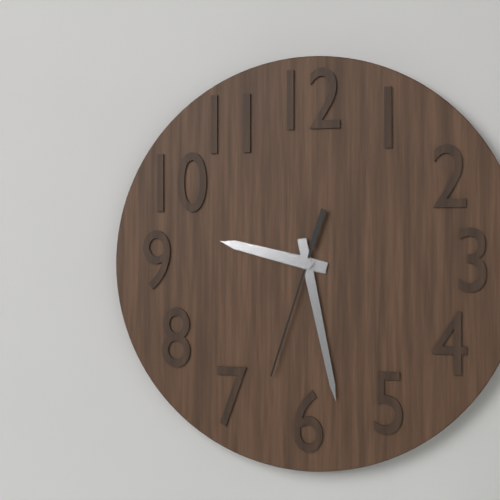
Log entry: 9:28:33
